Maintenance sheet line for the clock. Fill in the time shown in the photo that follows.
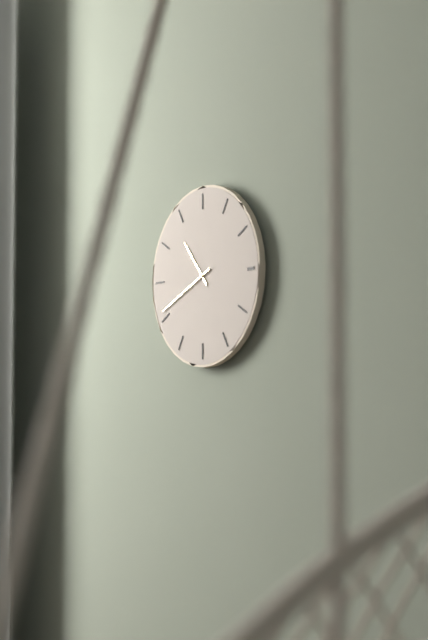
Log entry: 10:41
